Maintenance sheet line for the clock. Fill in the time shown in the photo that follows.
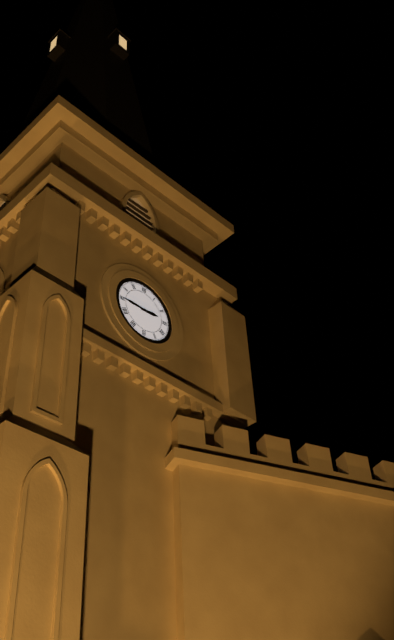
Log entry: 2:45
